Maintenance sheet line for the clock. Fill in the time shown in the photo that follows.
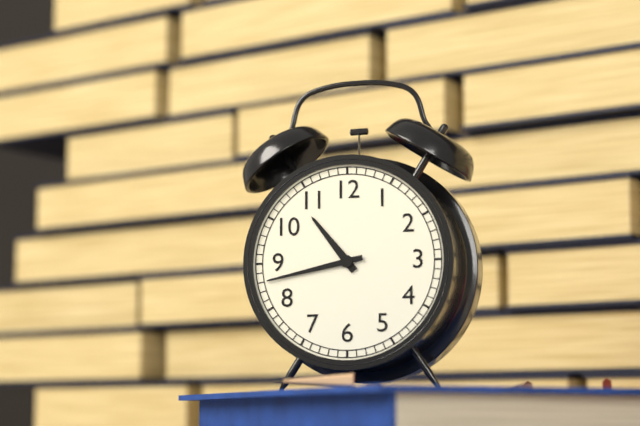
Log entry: 10:43
